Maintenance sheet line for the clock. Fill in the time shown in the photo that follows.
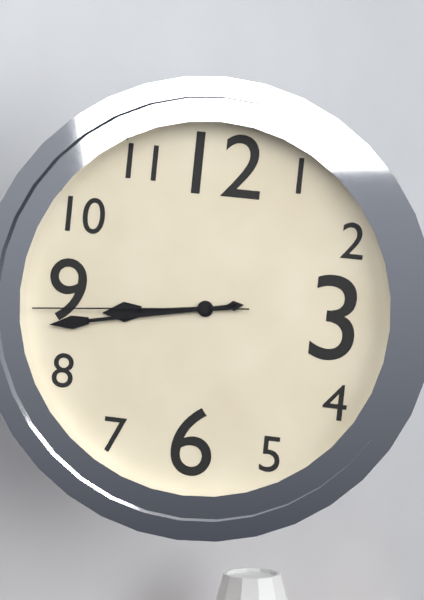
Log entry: 8:43:44
